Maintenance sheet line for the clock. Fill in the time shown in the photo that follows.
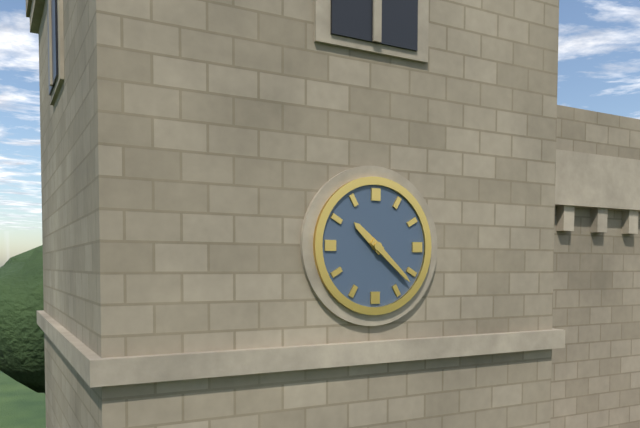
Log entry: 10:22
